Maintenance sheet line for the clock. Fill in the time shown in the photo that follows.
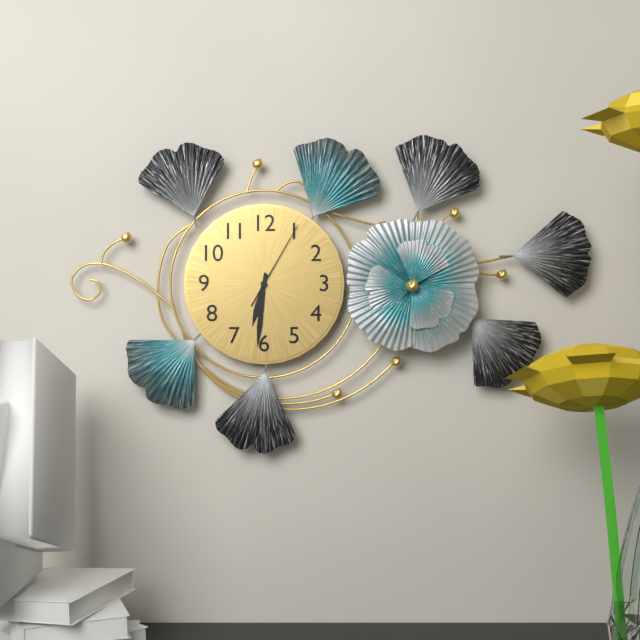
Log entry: 6:31:05
